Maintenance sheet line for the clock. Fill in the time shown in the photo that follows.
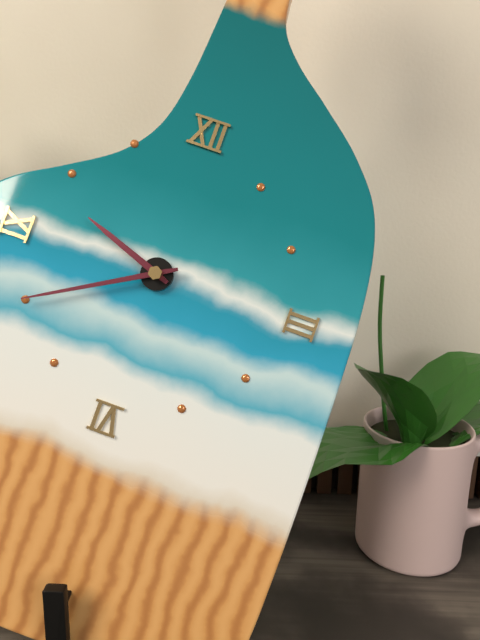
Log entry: 9:40
